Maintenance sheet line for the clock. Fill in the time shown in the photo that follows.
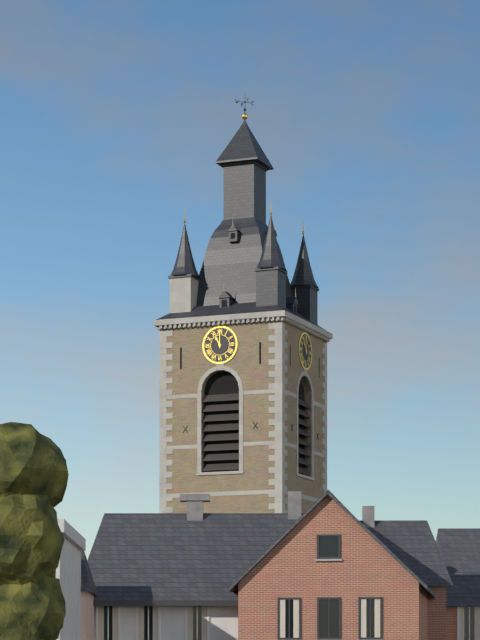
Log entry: 11:00
